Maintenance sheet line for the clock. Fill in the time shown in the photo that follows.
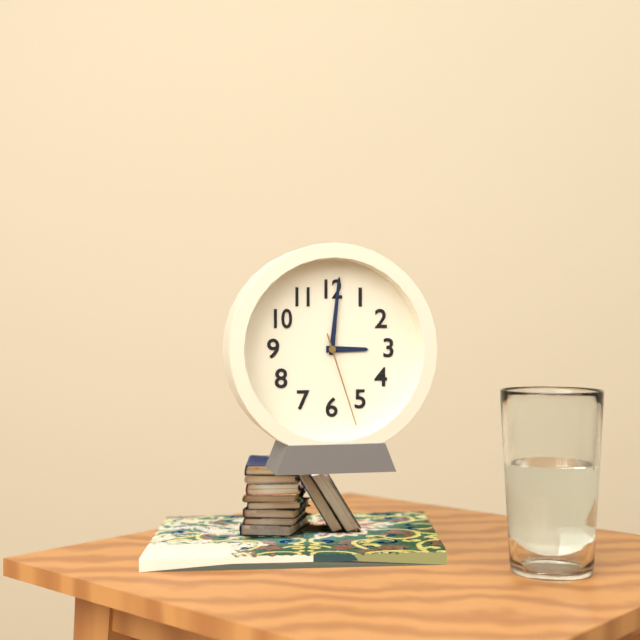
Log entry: 3:01:27
